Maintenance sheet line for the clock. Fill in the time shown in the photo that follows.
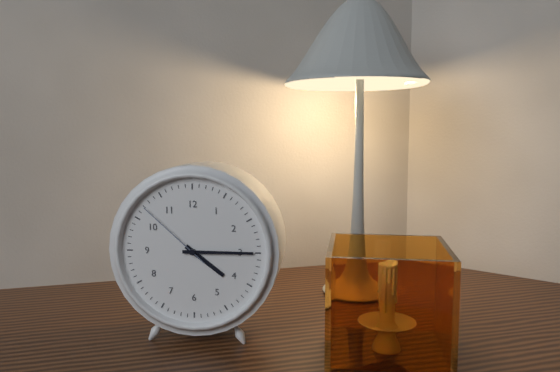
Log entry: 4:15:52
